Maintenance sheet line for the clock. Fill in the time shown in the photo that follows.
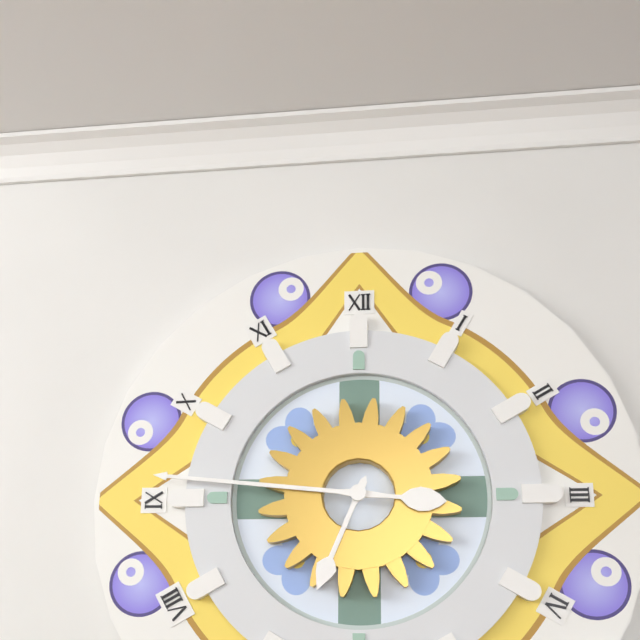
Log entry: 6:46
